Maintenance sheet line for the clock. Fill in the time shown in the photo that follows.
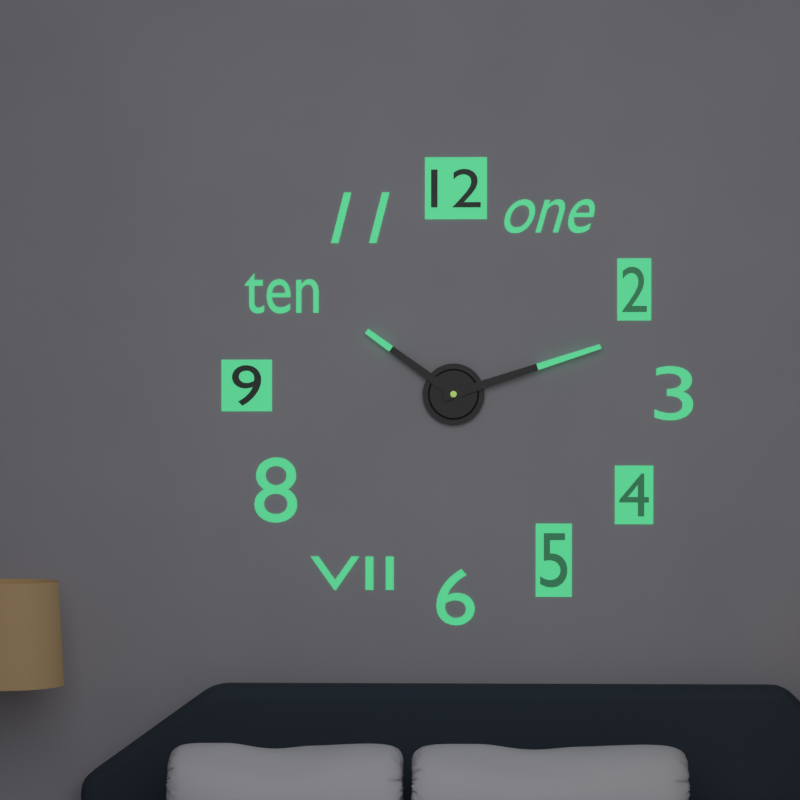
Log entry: 10:12
